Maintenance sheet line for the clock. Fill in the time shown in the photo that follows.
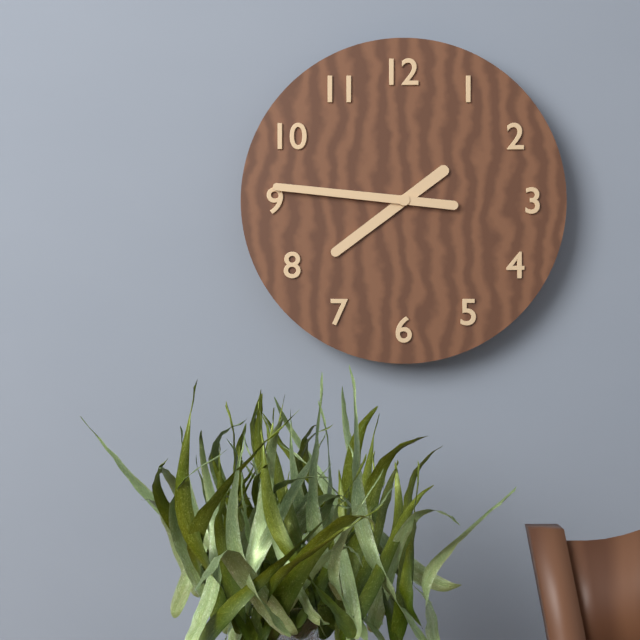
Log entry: 7:46
